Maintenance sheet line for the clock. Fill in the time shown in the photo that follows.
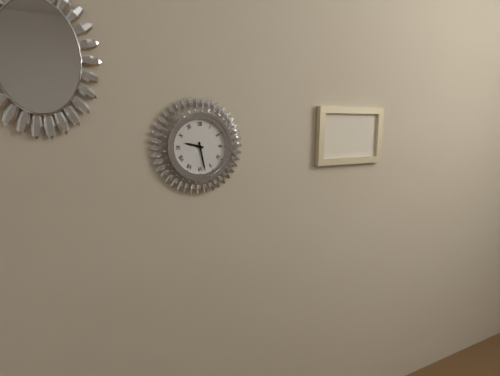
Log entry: 9:28
